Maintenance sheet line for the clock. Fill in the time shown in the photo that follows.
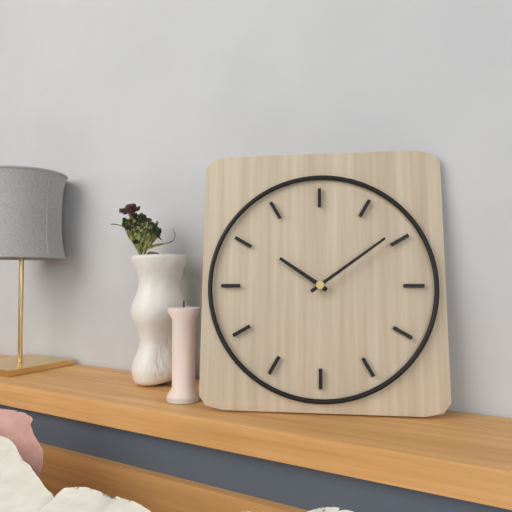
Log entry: 10:09
